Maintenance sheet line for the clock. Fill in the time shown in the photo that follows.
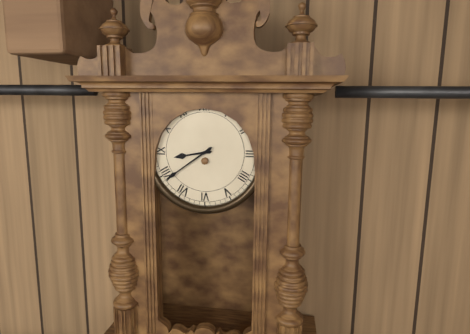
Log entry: 8:39
